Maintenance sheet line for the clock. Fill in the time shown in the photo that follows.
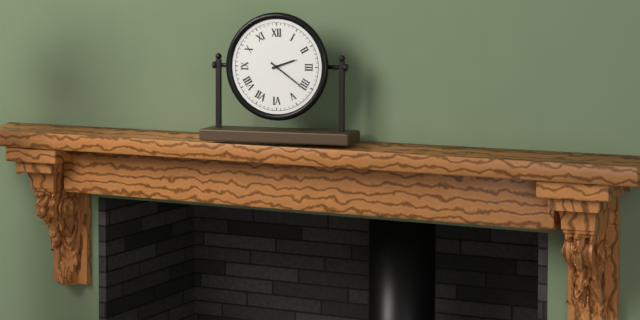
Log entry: 2:21
